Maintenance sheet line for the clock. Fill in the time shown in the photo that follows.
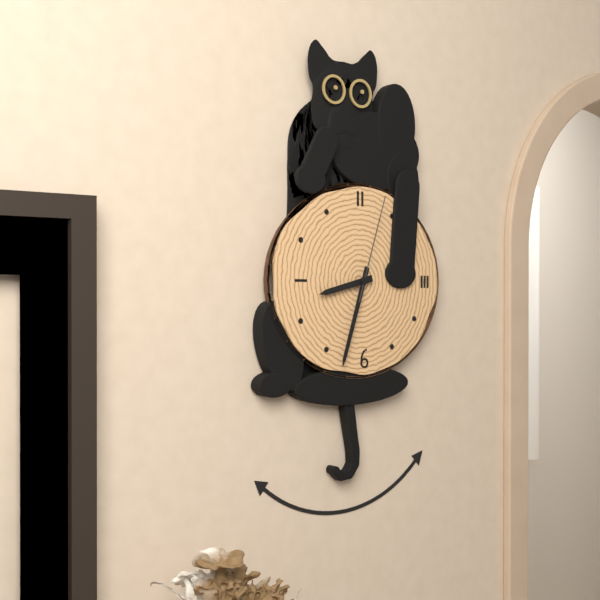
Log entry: 8:33:03
